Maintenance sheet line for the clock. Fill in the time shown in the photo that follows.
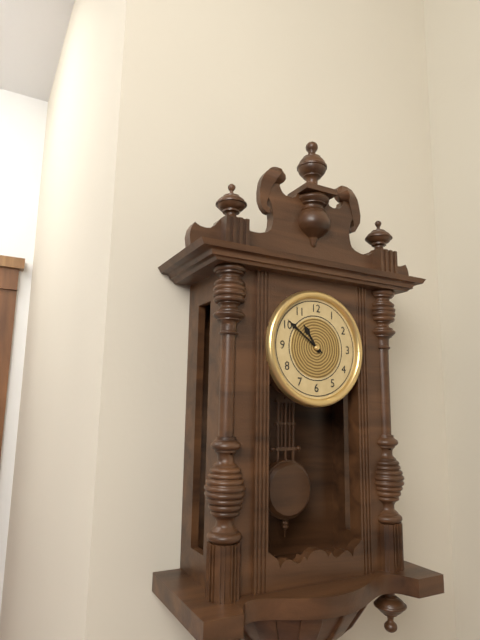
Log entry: 10:51
